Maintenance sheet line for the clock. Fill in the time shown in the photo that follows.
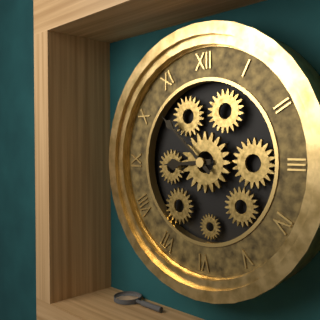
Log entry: 8:52
